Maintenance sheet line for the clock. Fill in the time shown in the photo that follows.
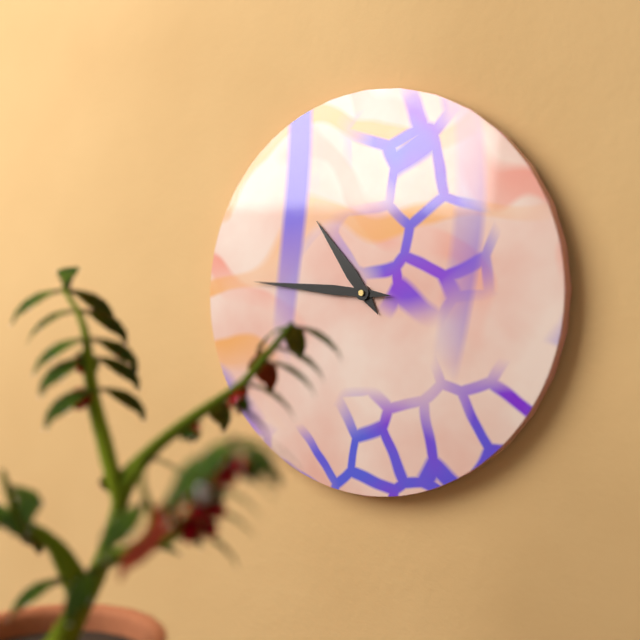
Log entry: 10:46
